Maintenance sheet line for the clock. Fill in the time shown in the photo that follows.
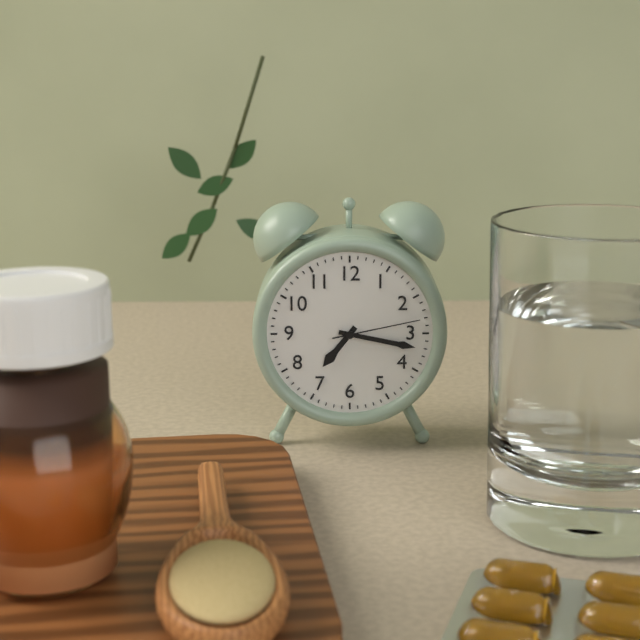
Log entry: 7:17:13
